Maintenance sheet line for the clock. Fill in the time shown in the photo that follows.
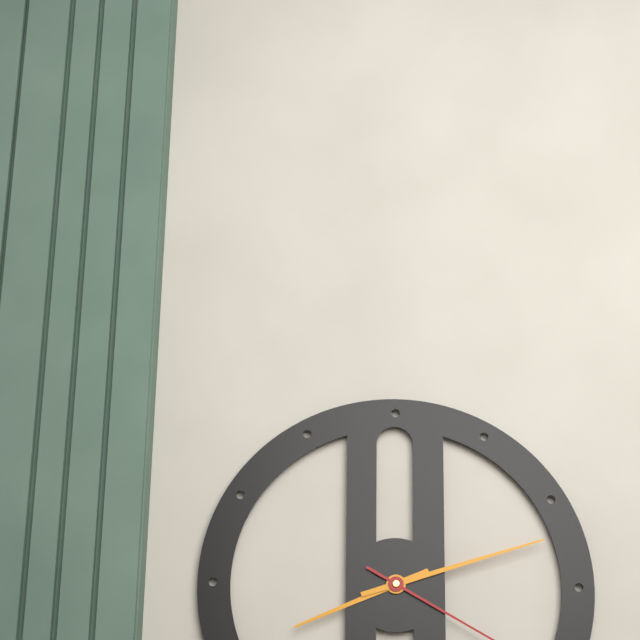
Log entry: 8:12
